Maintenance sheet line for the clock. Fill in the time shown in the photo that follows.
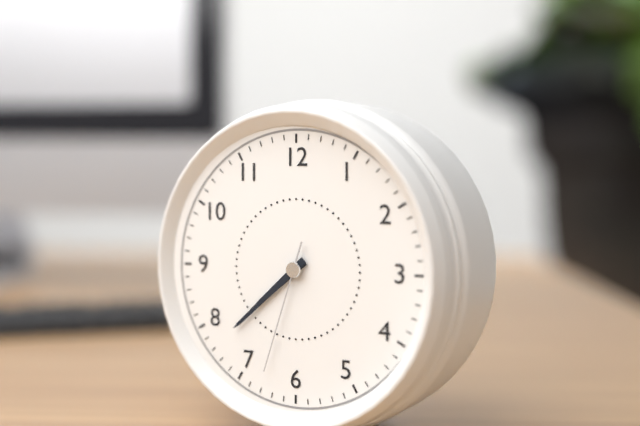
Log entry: 7:38:33
